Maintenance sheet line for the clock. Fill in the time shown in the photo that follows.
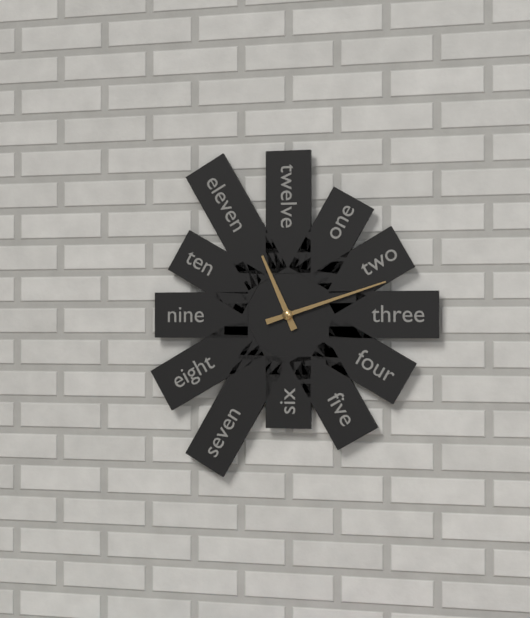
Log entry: 11:12
